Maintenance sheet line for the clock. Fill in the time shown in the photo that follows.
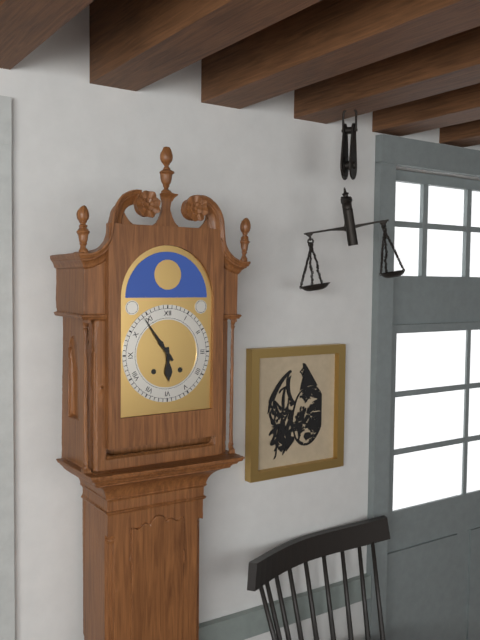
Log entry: 5:54
